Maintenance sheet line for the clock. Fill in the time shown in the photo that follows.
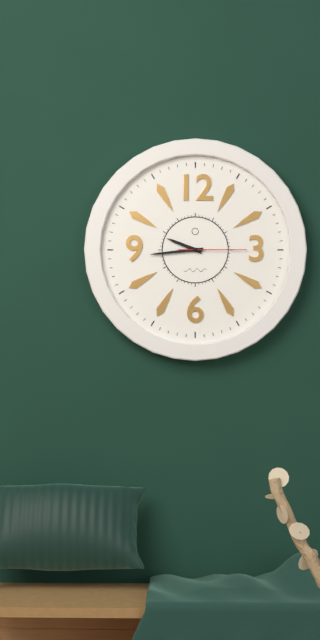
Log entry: 9:44:15
